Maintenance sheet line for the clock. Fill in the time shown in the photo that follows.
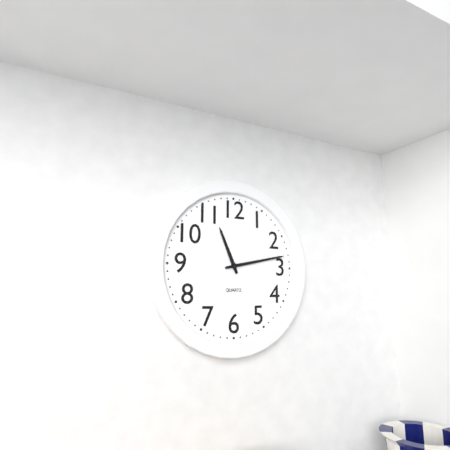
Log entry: 11:13
